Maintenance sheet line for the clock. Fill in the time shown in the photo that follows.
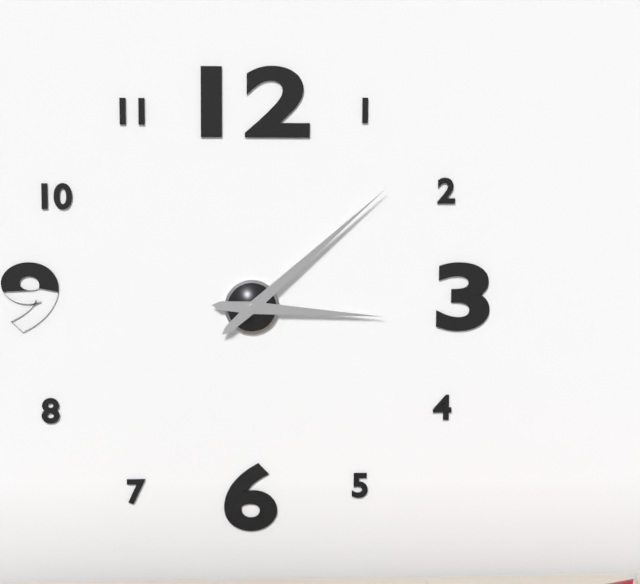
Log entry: 3:08
